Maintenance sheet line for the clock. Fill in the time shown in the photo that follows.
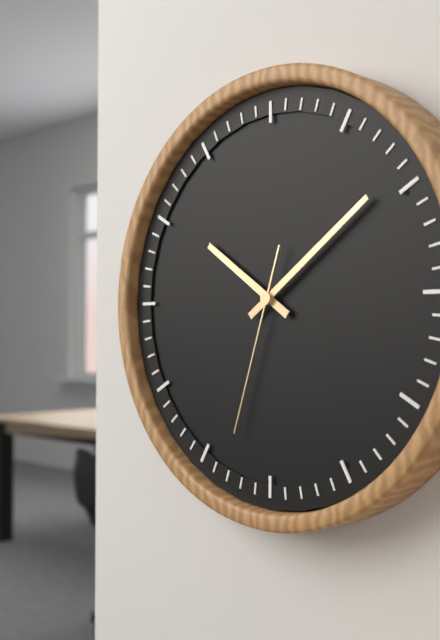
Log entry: 10:09:33
